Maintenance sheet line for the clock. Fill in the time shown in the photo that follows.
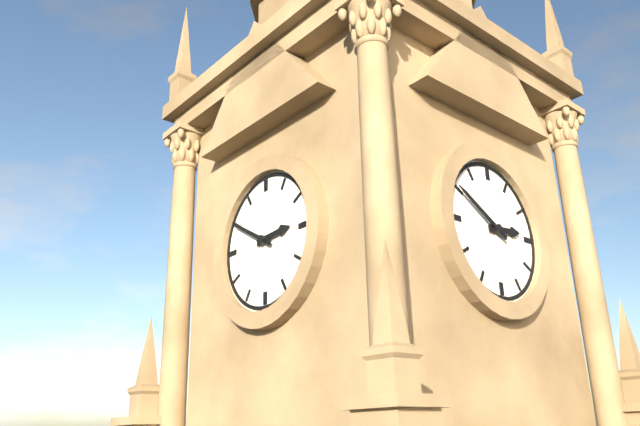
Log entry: 2:50
